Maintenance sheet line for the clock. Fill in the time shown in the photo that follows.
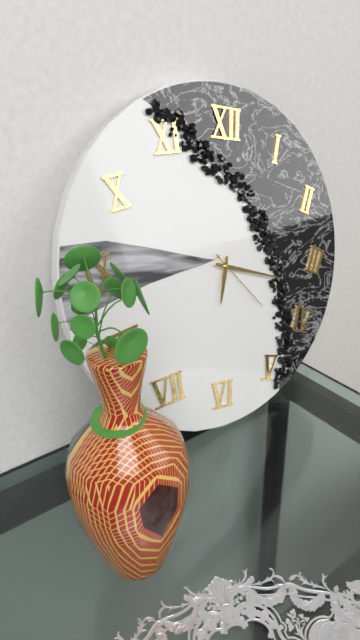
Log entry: 6:17:22
